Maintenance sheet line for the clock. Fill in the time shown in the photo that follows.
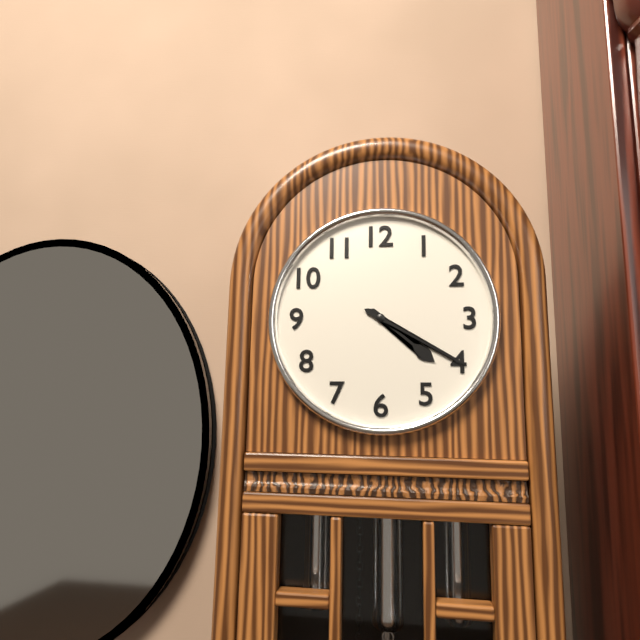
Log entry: 4:20
